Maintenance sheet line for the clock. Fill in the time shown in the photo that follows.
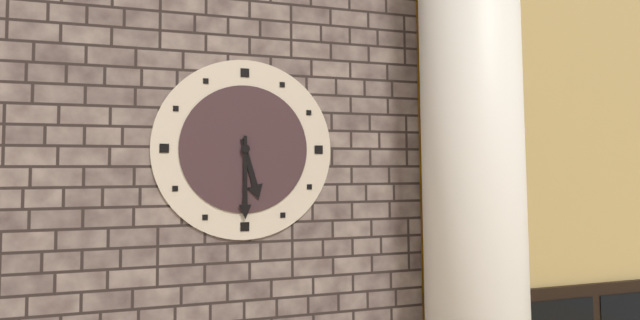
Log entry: 5:30
